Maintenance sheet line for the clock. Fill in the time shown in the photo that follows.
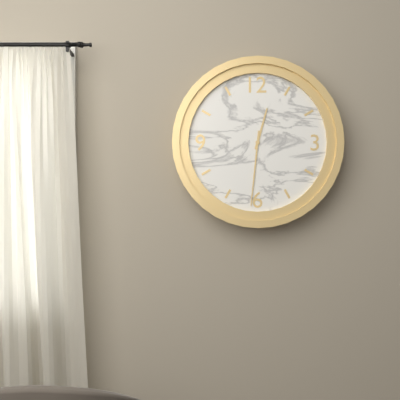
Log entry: 12:31
